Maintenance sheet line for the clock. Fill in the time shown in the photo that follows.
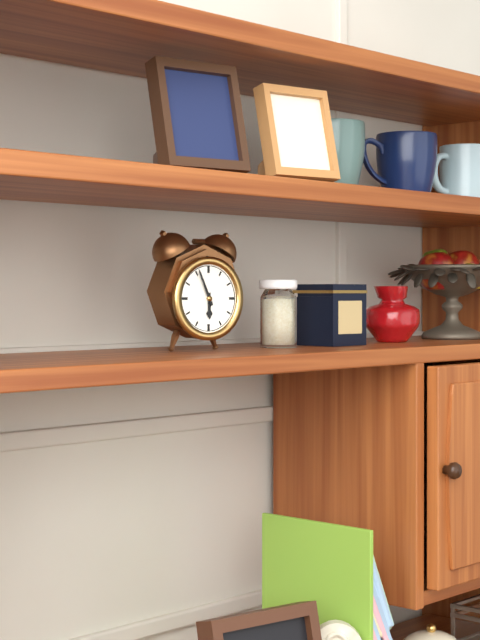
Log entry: 5:56
